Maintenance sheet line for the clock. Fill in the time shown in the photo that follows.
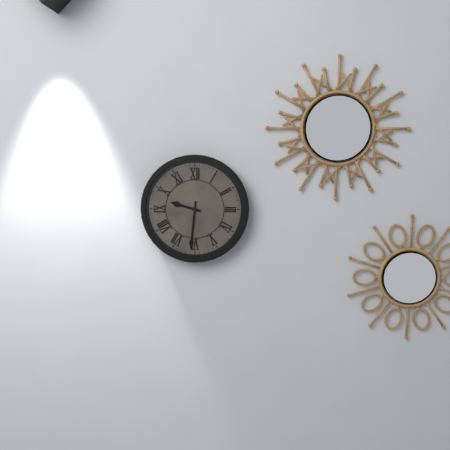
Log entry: 9:31
